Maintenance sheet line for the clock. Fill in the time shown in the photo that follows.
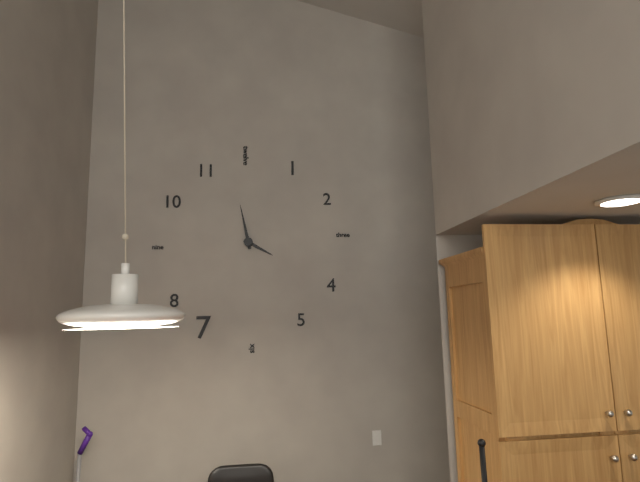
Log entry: 3:58
